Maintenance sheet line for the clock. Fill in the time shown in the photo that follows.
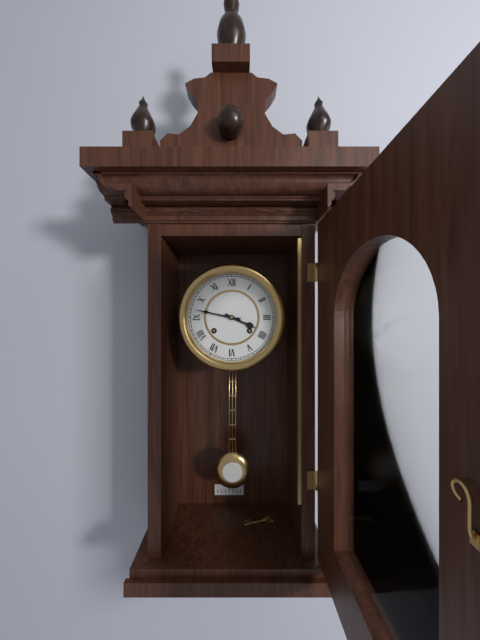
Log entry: 3:47
